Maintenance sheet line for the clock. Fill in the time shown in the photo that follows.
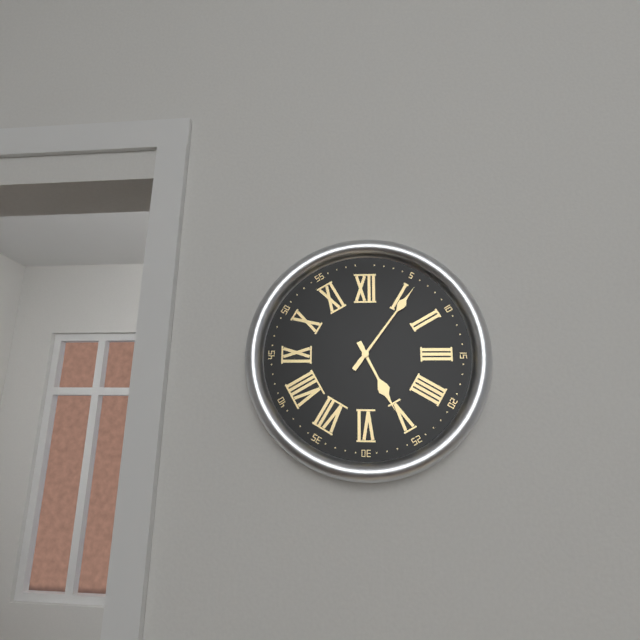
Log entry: 5:06
